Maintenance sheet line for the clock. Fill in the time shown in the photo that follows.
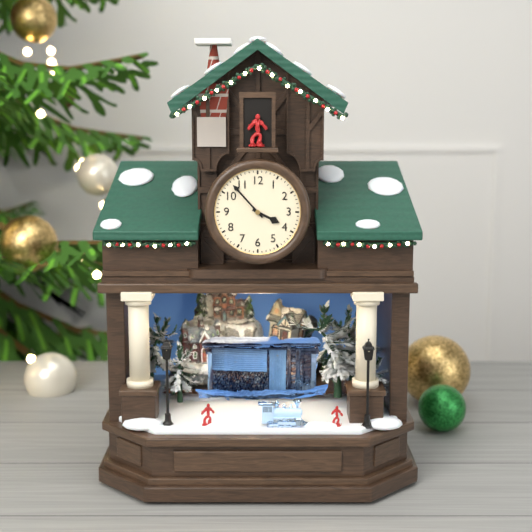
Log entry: 3:53
